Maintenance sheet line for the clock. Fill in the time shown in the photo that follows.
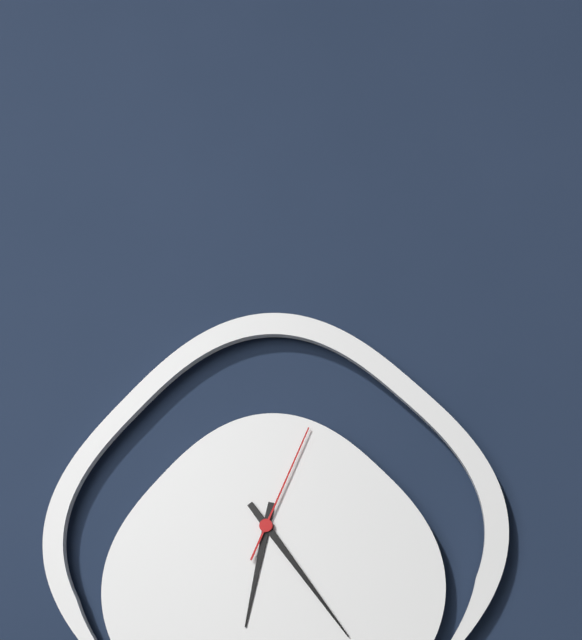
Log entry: 6:24:04
